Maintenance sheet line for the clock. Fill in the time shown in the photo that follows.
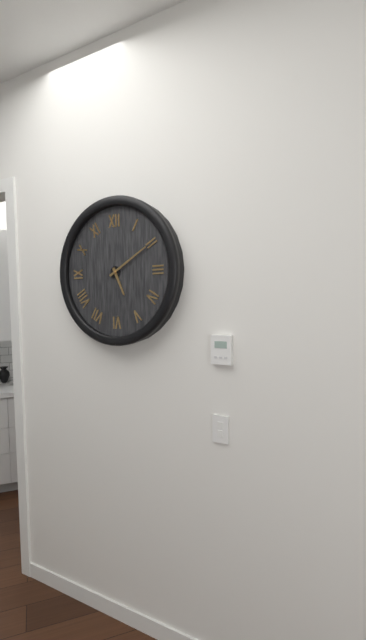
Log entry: 5:10
